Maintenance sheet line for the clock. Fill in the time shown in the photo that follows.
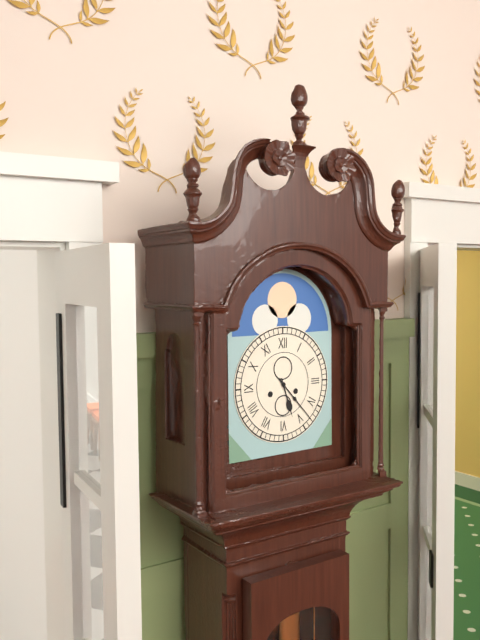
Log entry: 5:23
